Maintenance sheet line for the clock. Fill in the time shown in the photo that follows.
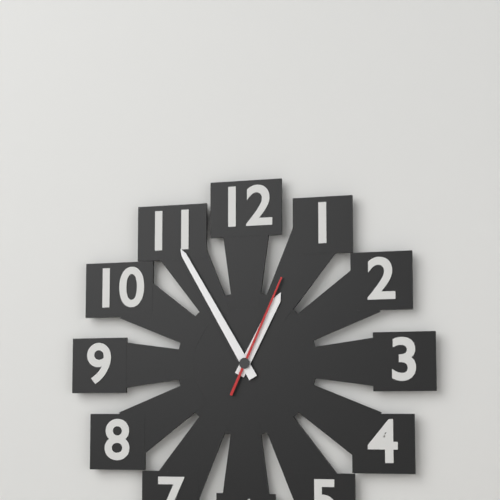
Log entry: 12:55:04
